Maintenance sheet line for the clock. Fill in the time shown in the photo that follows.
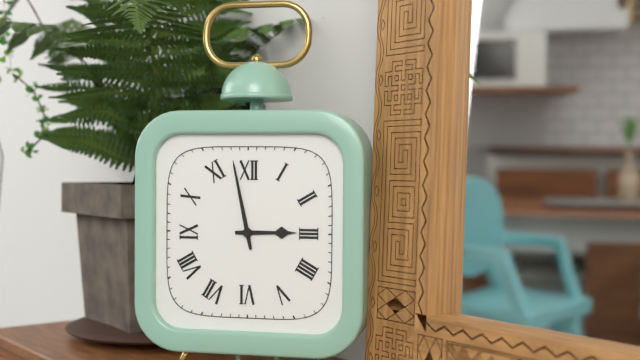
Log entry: 2:58
